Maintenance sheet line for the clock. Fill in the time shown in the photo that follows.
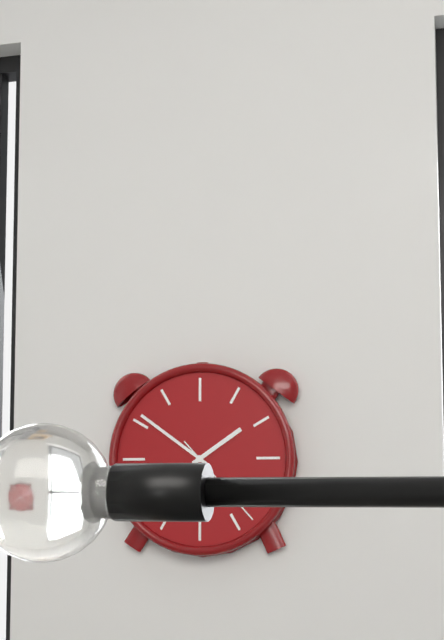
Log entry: 1:51:23
